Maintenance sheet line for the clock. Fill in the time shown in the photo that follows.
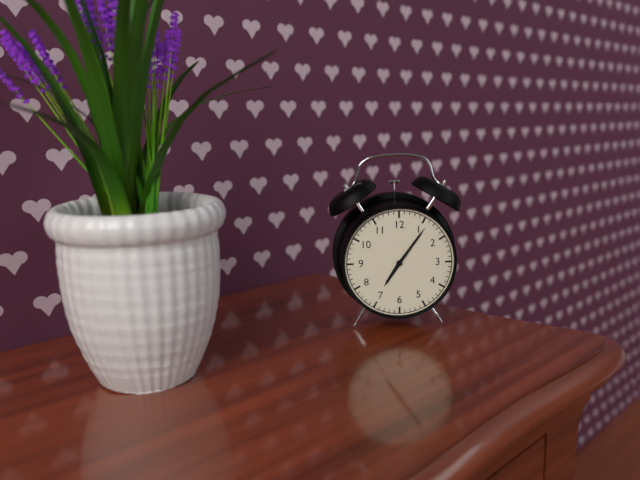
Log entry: 7:06
